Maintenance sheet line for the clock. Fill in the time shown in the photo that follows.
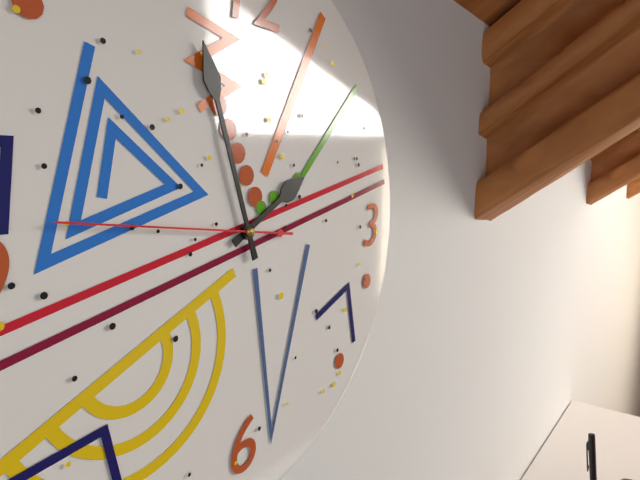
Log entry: 1:57:46
